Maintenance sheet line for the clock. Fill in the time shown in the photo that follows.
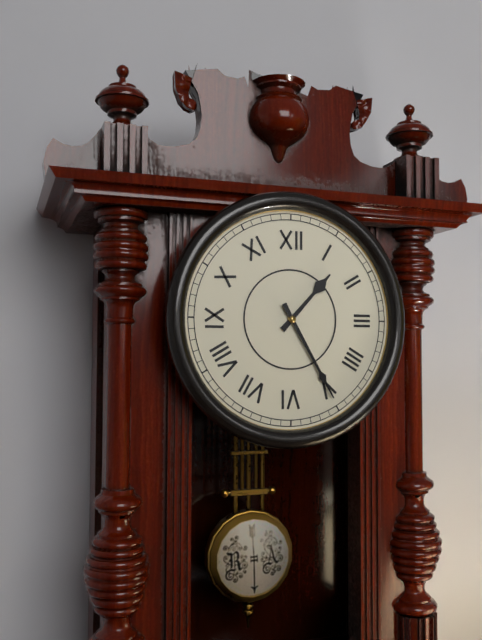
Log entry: 1:25
